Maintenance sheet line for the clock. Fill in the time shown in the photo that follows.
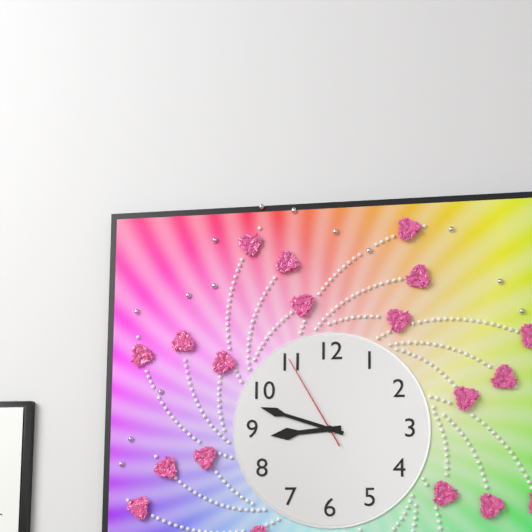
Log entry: 8:48:55
